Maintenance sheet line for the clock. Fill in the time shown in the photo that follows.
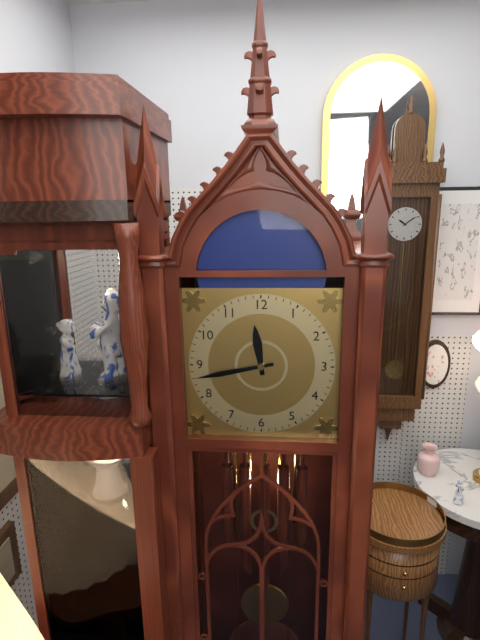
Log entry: 11:43
